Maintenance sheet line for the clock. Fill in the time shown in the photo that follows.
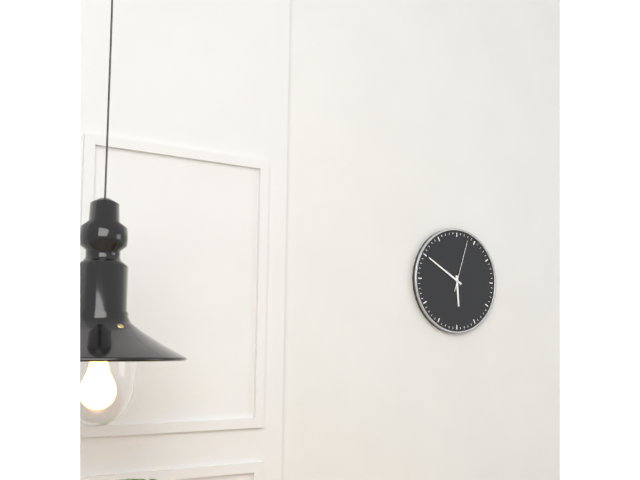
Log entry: 5:50:03
